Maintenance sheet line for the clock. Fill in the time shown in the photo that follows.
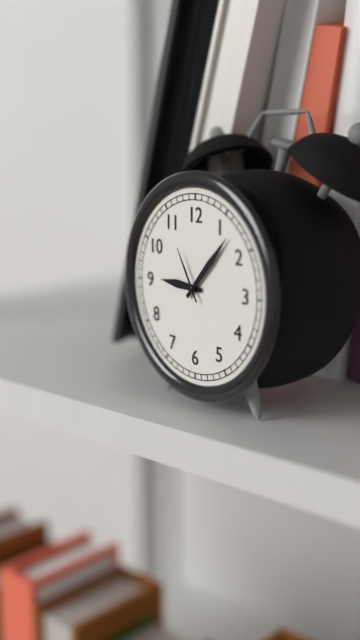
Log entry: 9:07:55
